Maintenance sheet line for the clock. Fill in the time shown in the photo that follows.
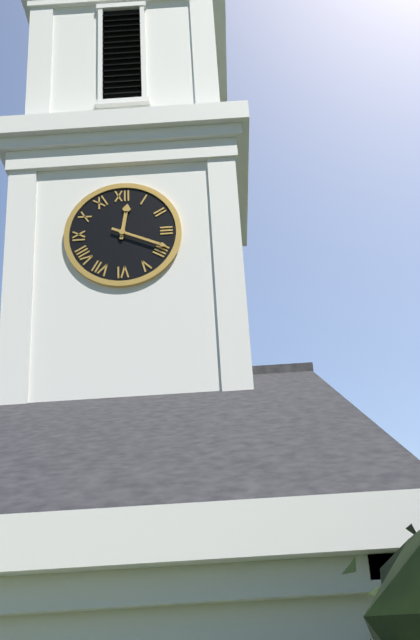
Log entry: 12:19
